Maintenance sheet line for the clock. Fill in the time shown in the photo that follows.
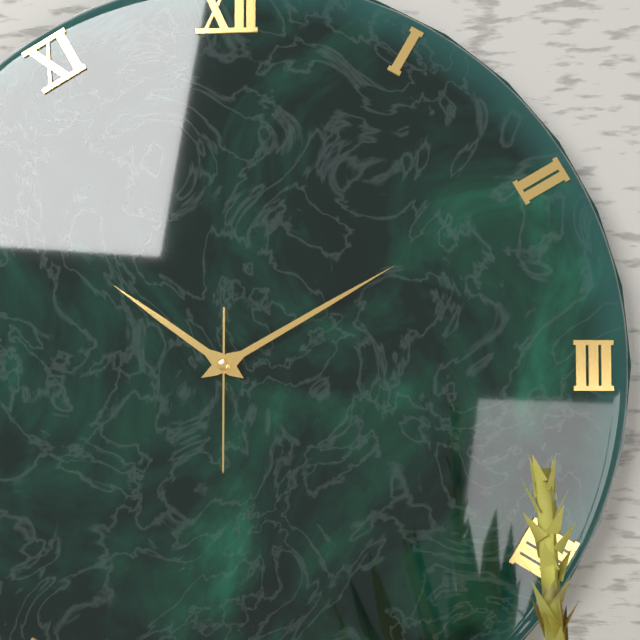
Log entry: 10:10:30
